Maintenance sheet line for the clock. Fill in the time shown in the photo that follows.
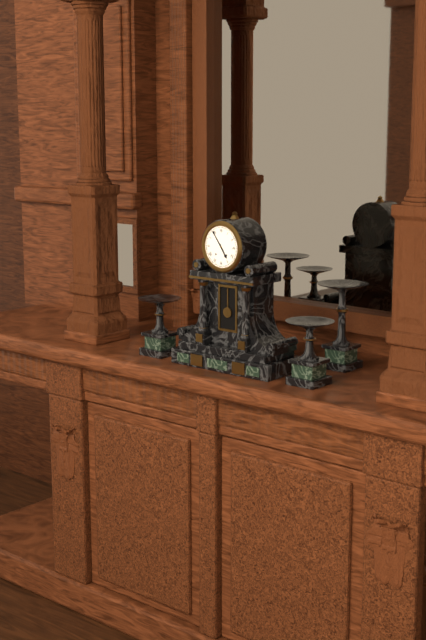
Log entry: 4:54
